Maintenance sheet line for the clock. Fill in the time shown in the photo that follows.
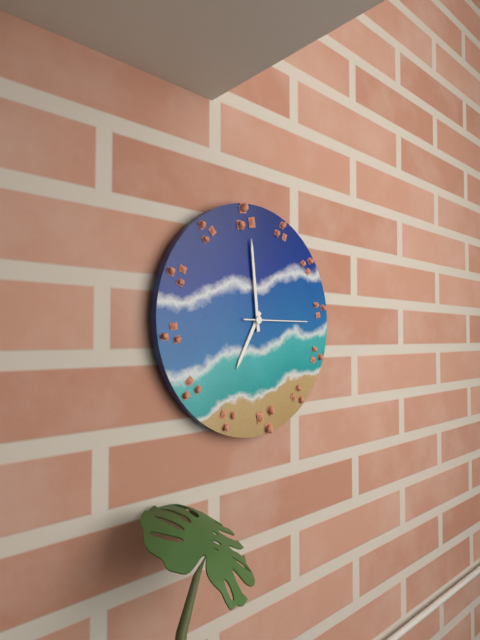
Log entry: 6:59:15
